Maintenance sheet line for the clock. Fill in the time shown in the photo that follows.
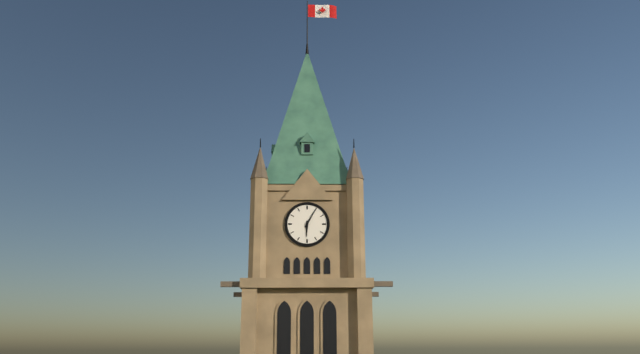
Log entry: 6:05
